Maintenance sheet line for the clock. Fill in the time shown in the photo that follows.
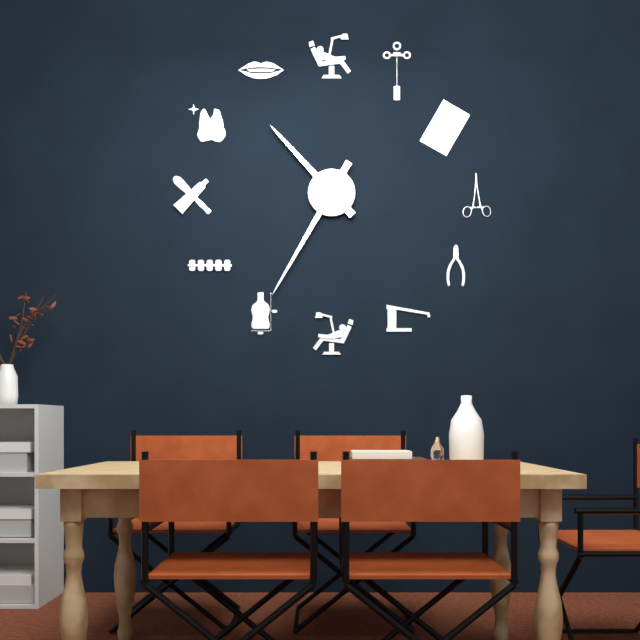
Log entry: 10:35
